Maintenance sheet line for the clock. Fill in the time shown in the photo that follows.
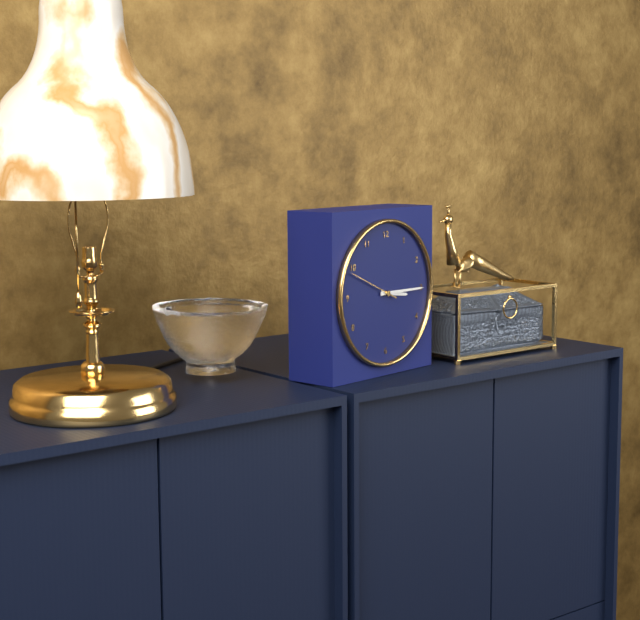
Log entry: 3:15:49
